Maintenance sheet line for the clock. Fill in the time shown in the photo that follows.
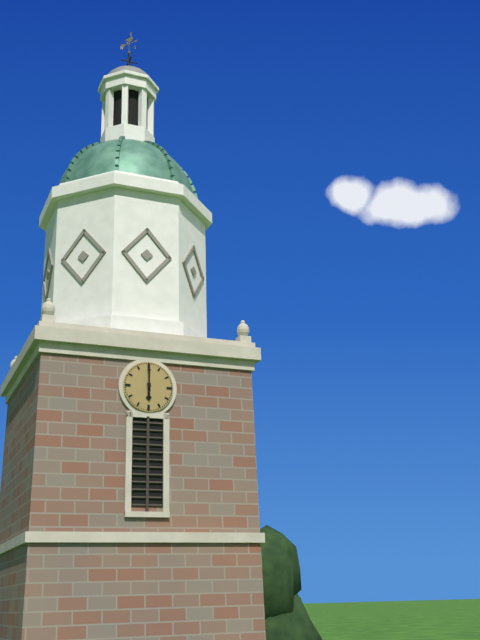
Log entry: 6:00
